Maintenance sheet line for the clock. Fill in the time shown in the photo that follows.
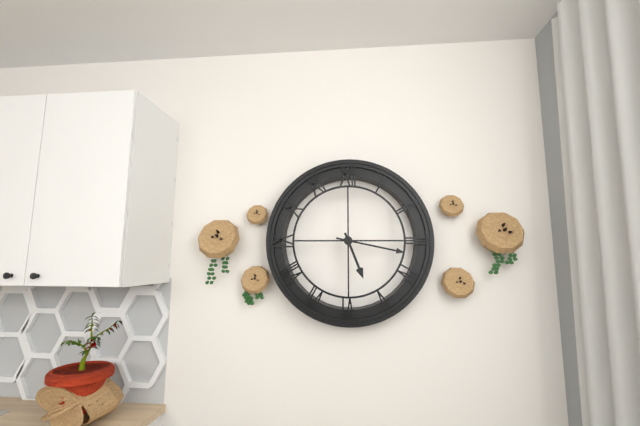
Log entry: 5:17
